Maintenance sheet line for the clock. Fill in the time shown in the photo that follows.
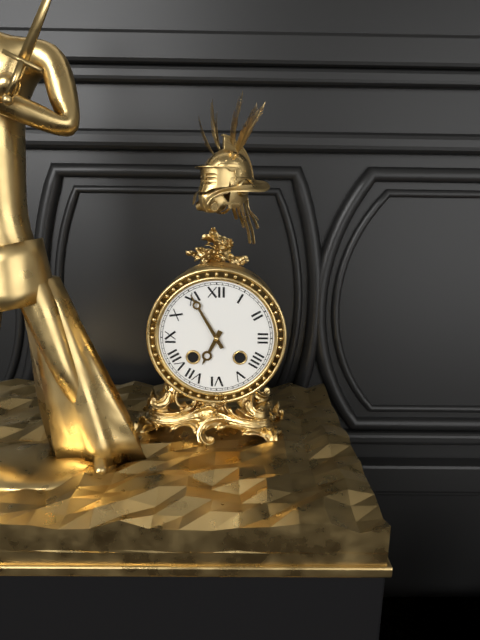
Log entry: 6:55
